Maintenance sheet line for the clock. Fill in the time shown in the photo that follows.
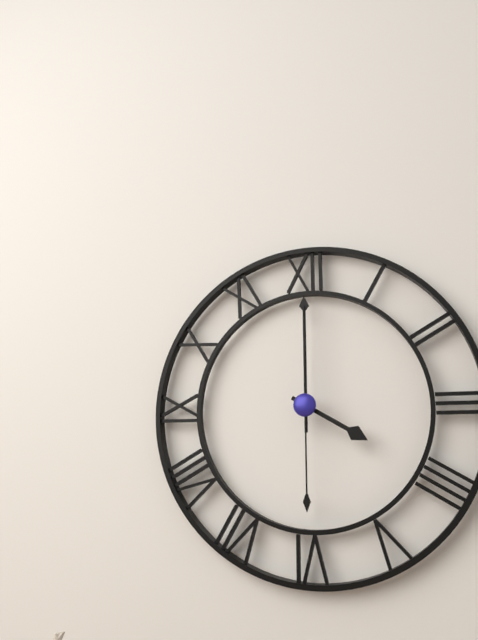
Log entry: 4:00:00
